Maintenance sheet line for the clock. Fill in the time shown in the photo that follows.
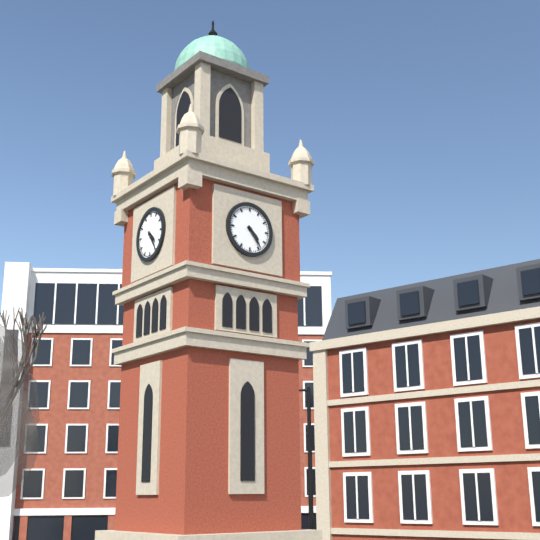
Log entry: 4:24
